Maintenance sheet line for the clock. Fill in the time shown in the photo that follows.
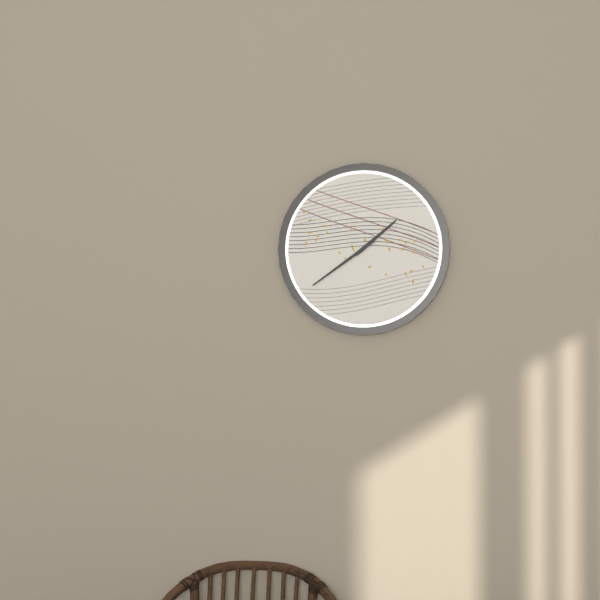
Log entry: 1:39
